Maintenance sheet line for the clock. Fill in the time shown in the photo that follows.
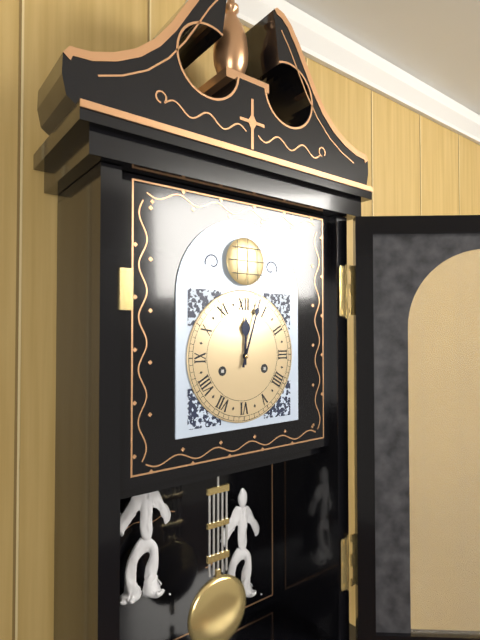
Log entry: 12:03
